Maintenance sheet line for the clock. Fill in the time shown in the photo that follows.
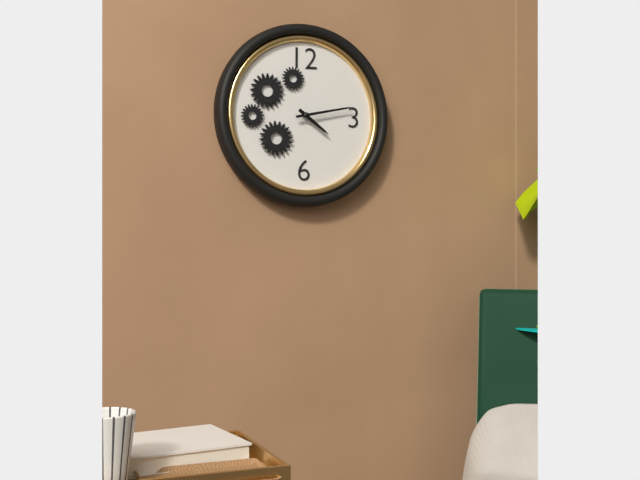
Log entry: 4:13
